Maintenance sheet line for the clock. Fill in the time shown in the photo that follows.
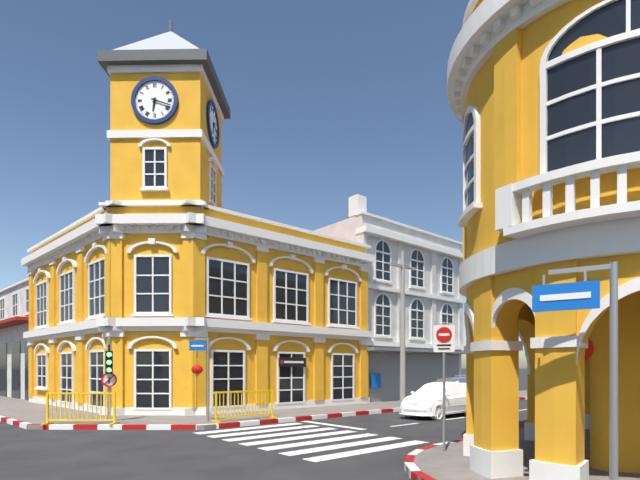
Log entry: 6:18
